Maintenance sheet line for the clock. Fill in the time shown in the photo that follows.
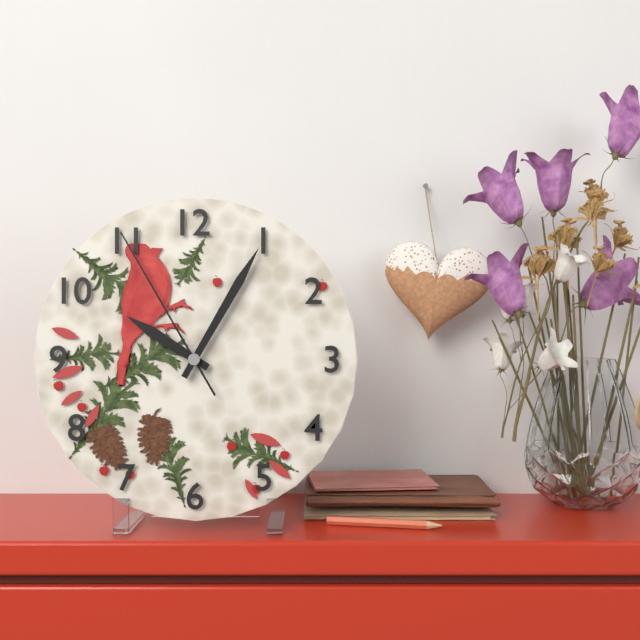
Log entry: 10:05:55
